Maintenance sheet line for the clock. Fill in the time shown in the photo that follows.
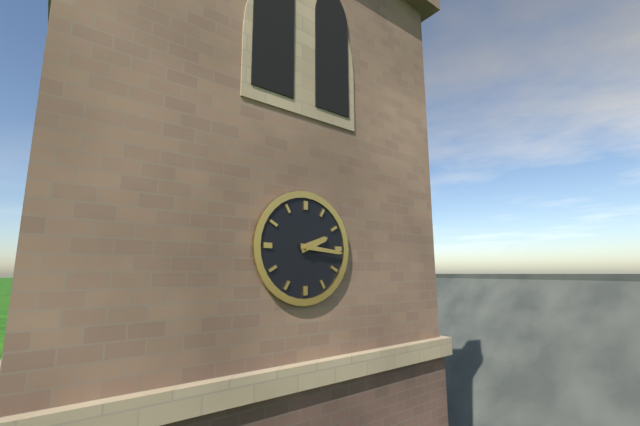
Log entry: 2:16
